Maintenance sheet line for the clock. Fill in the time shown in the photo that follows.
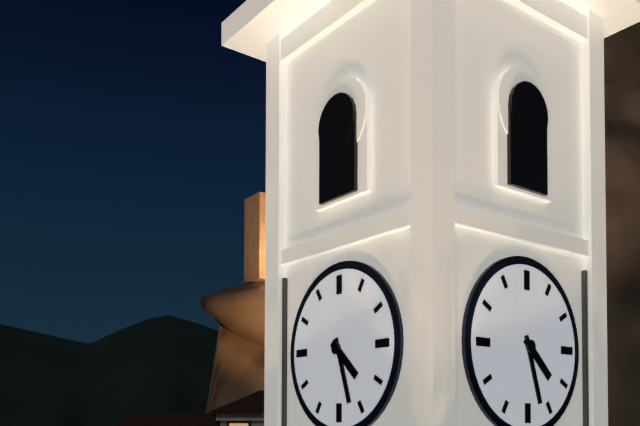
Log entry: 4:27
